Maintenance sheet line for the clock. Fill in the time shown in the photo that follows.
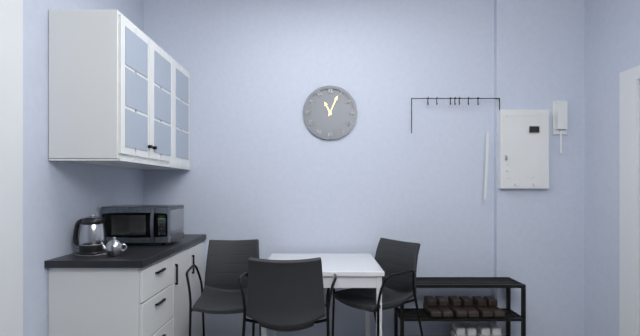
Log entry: 11:04
